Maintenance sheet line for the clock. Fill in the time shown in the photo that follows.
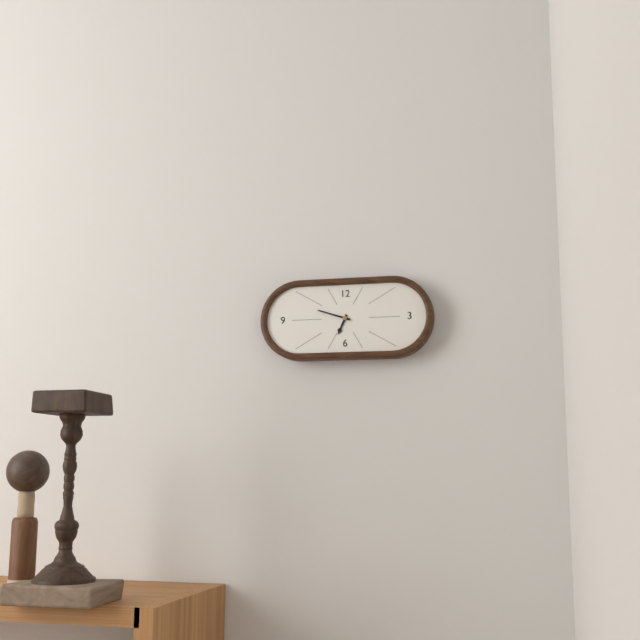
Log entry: 6:48
